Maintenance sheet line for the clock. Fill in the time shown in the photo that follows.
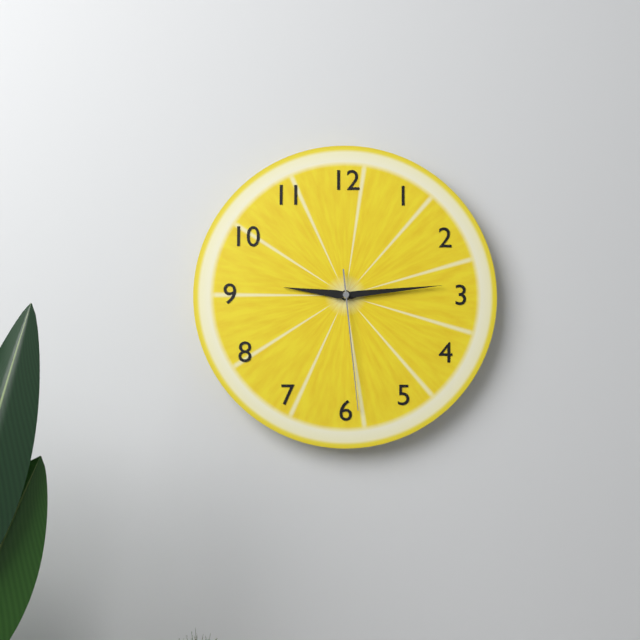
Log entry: 9:14:29
